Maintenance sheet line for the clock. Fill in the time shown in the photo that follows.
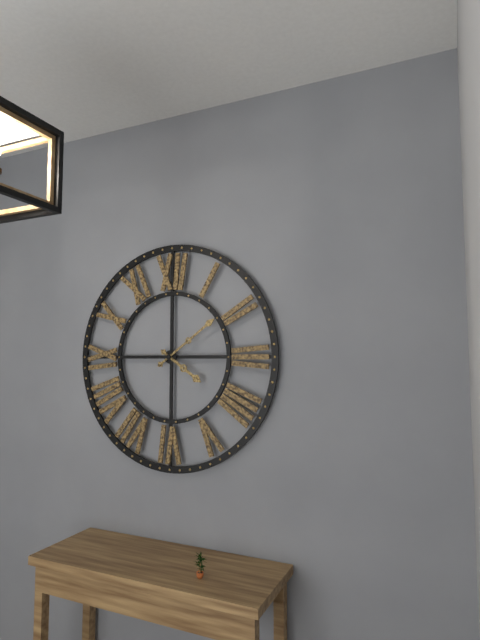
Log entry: 4:09
